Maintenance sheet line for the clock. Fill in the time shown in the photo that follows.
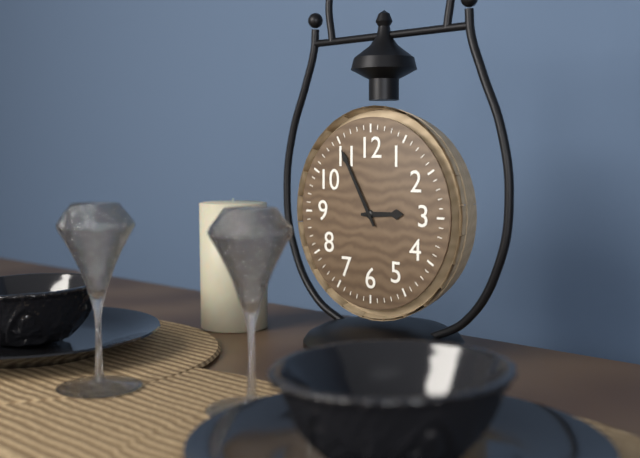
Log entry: 2:55
